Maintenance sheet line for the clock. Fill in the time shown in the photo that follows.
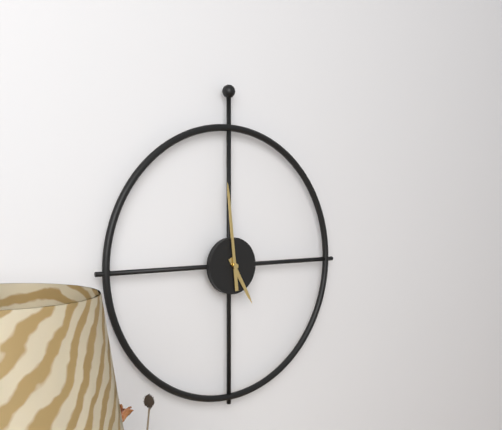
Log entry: 4:59
